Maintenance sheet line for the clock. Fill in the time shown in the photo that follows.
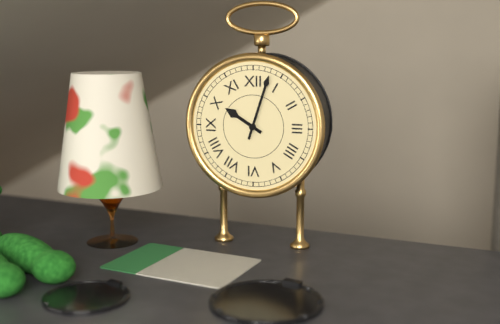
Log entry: 10:03
